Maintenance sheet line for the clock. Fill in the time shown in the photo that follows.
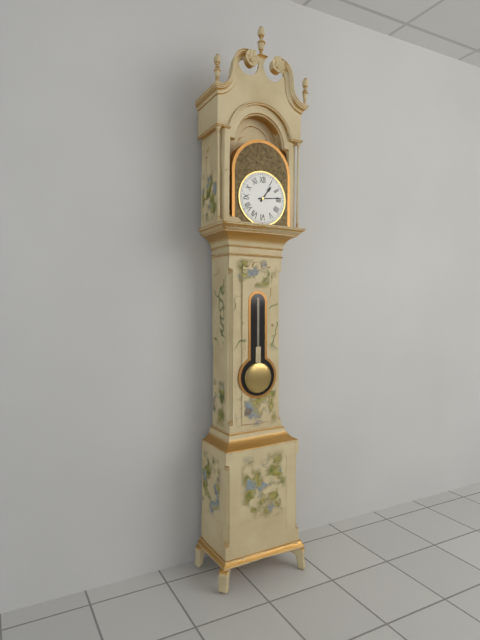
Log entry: 1:14
